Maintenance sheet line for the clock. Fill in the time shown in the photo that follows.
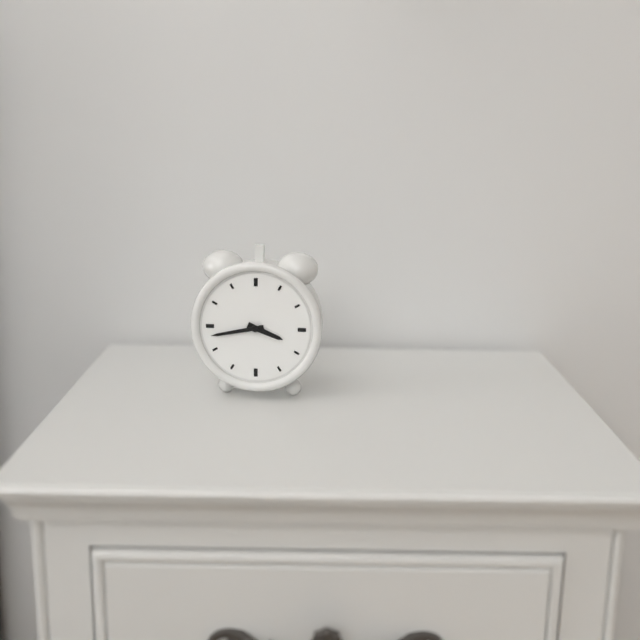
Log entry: 3:43
